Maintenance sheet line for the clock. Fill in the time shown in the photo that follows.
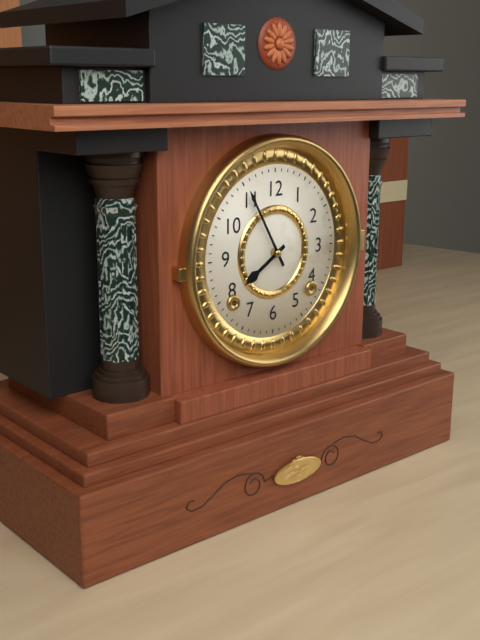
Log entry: 7:55
